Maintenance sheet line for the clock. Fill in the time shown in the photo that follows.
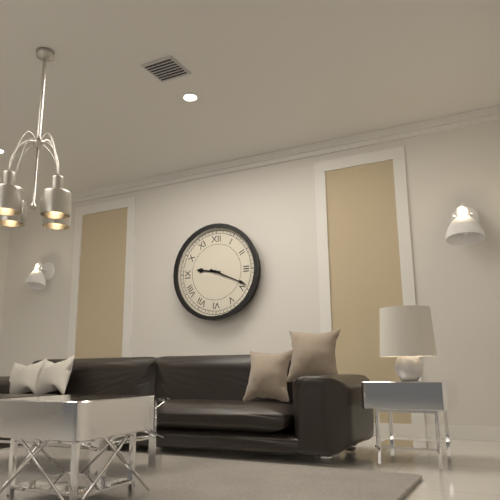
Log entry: 9:19
